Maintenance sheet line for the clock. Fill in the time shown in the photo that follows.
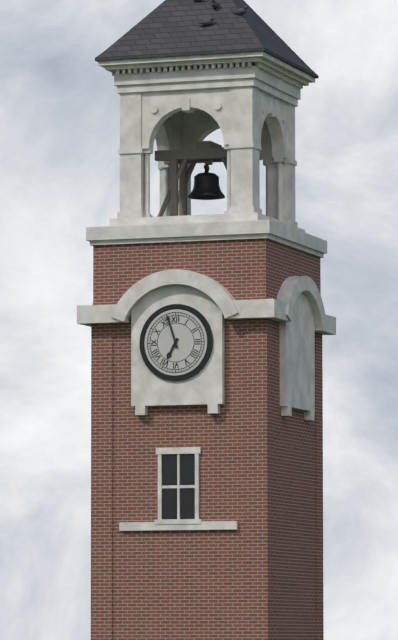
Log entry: 6:57
